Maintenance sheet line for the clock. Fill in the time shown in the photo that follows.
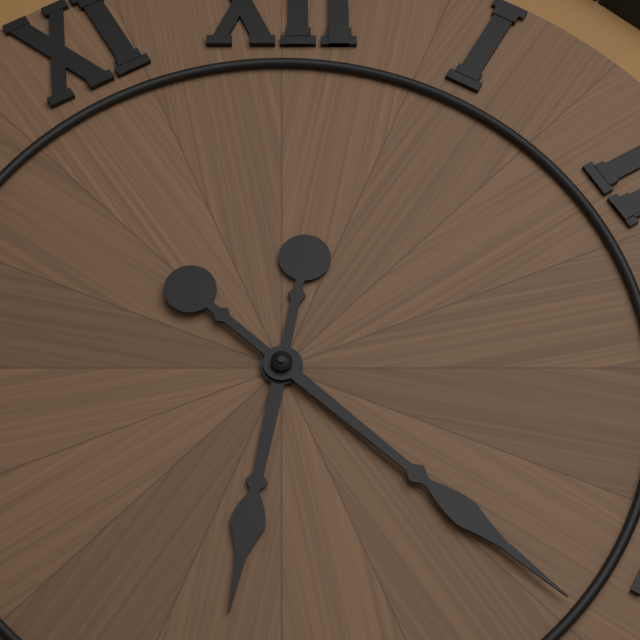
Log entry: 6:22
